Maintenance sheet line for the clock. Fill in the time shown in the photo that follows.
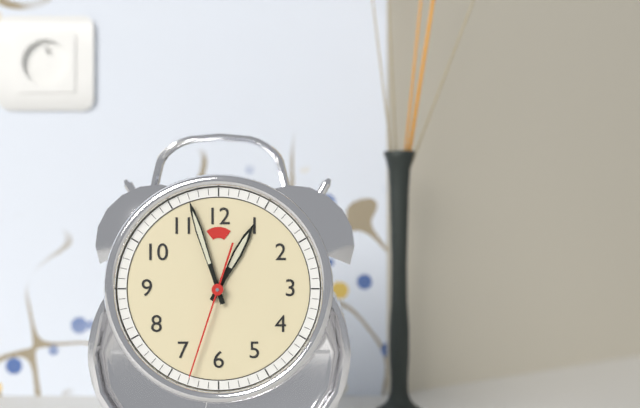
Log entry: 12:57:33
